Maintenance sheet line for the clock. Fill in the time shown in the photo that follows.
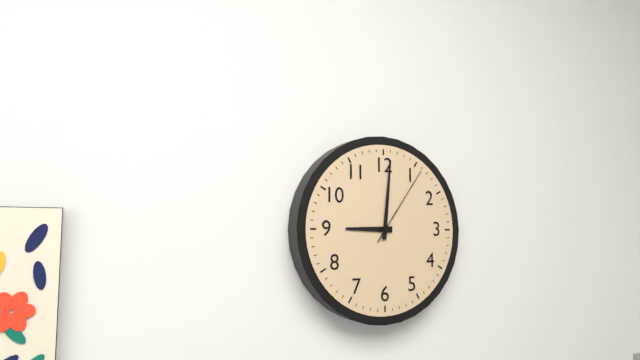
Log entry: 9:01:06
